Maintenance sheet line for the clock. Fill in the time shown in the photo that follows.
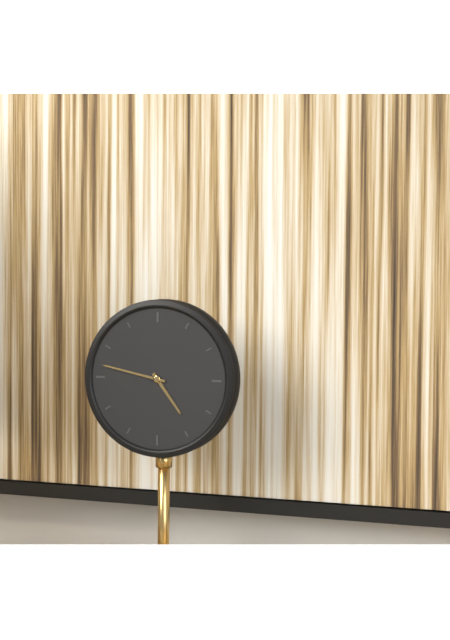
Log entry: 4:47
